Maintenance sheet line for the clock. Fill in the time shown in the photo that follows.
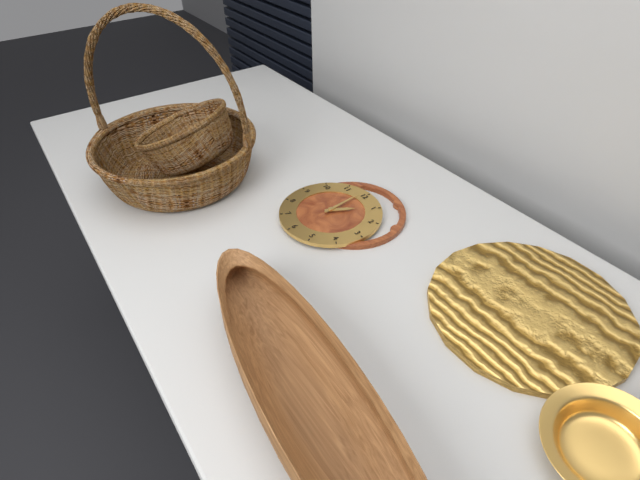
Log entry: 12:59
